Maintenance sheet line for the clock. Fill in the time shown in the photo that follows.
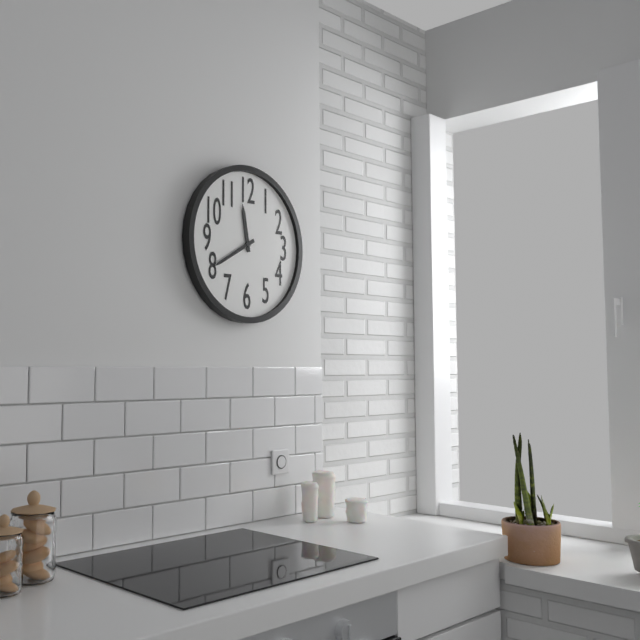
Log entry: 11:40
